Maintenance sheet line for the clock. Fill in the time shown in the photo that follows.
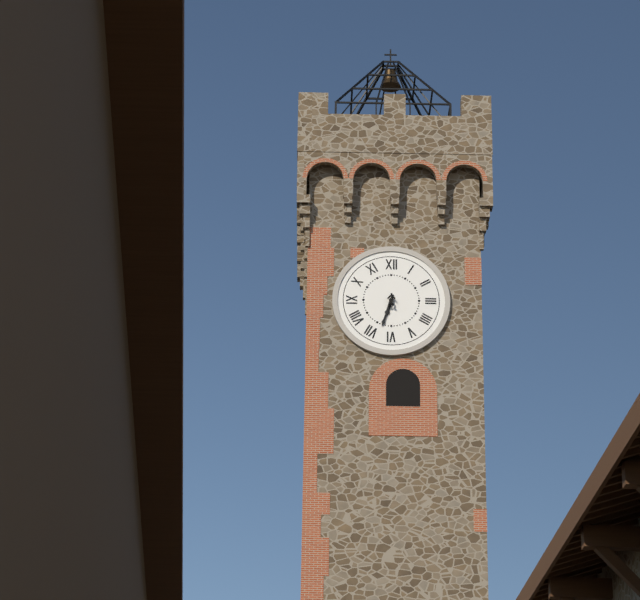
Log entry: 6:33
